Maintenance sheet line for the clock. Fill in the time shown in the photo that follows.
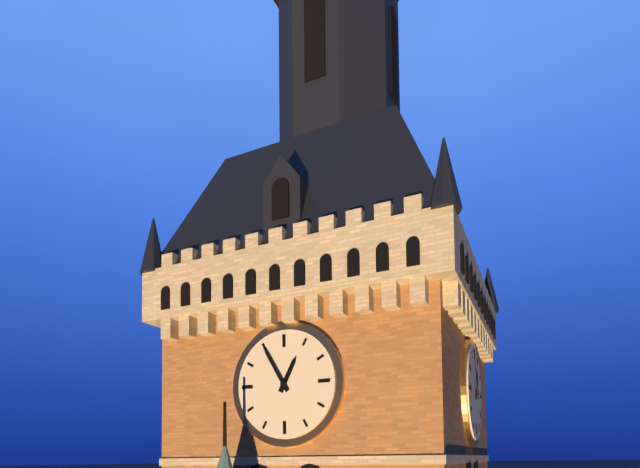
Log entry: 12:55
